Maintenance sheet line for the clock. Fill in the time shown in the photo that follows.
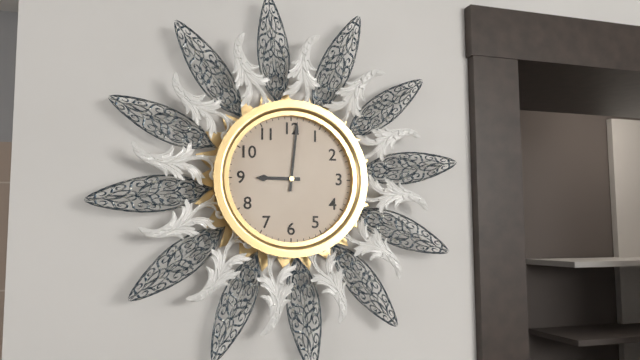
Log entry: 9:01
